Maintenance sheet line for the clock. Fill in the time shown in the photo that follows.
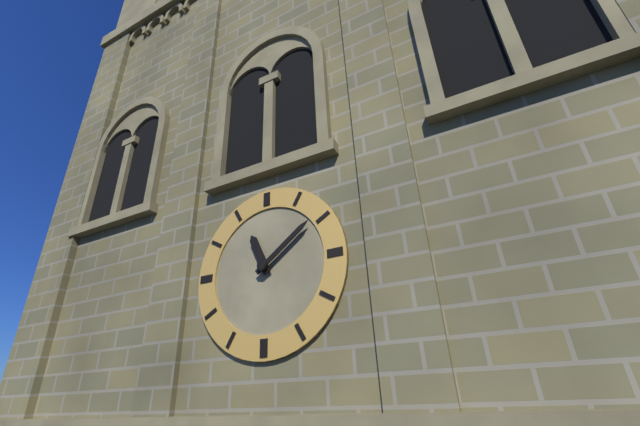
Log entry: 11:09
